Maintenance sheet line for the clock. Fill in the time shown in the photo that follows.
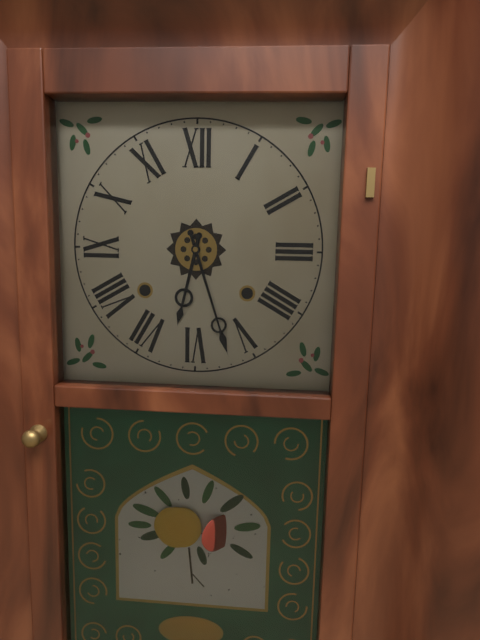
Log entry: 6:27
